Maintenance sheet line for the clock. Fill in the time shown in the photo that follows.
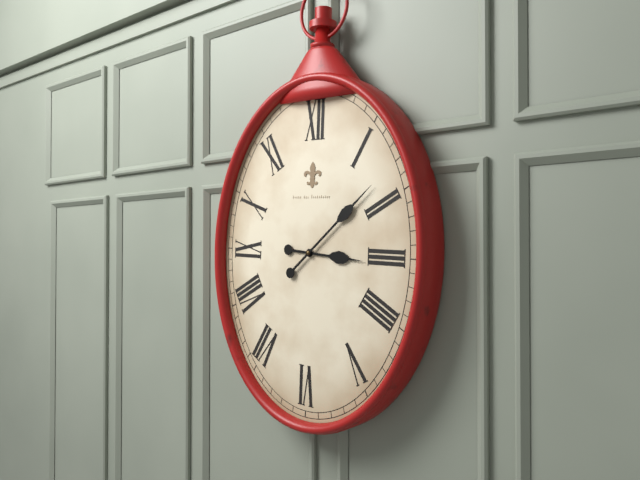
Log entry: 3:08
